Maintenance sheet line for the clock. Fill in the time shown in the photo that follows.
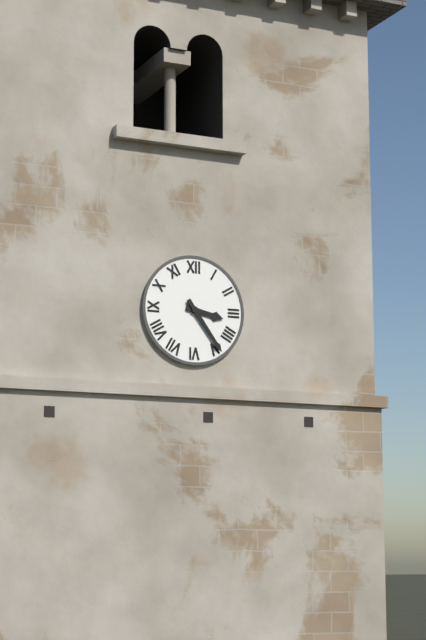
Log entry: 3:24
